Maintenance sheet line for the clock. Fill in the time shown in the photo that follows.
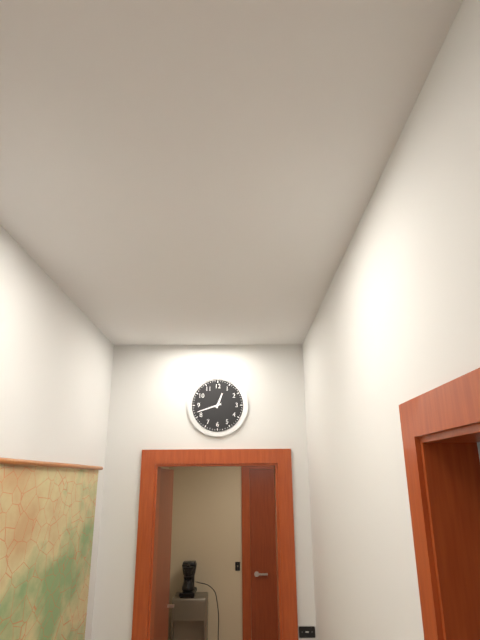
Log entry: 12:42
